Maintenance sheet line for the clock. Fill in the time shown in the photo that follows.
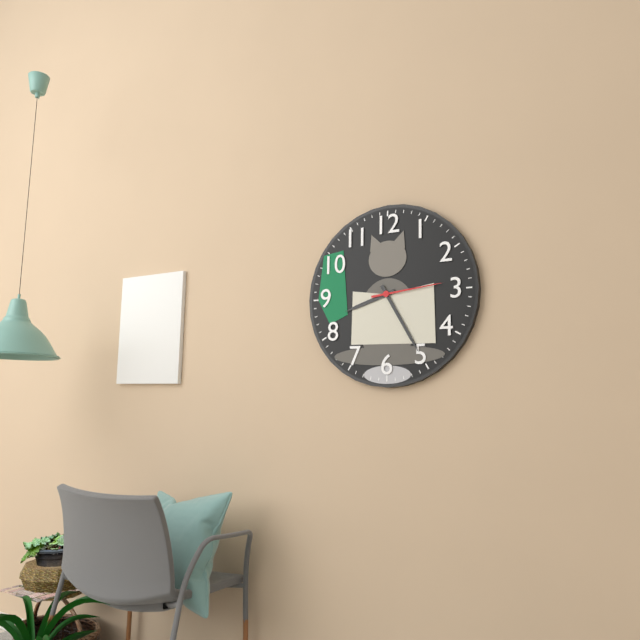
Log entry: 8:25:14
